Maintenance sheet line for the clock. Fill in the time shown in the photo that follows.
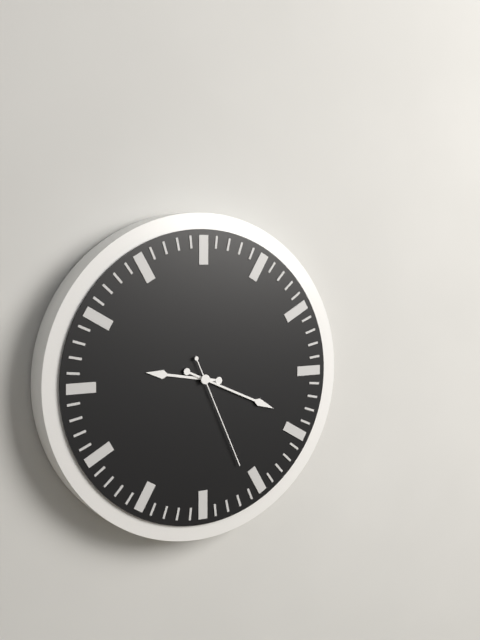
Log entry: 9:19:26
